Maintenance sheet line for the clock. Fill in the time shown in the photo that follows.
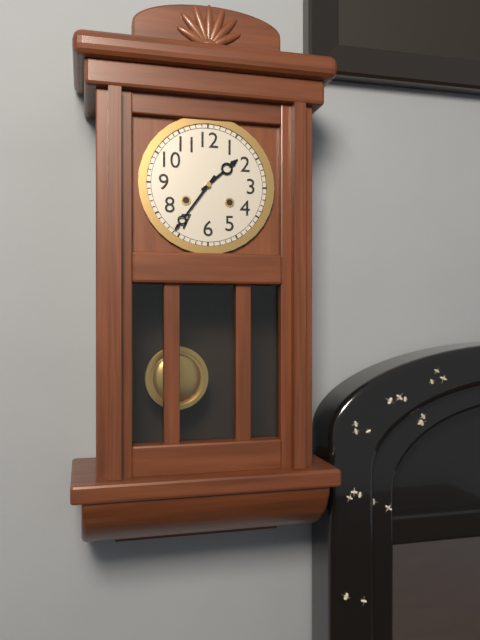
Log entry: 1:36
